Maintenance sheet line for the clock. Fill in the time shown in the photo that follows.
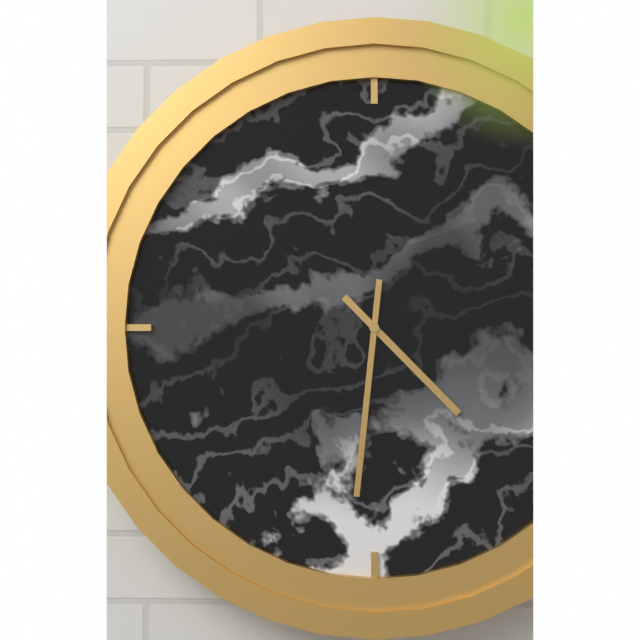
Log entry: 4:31
